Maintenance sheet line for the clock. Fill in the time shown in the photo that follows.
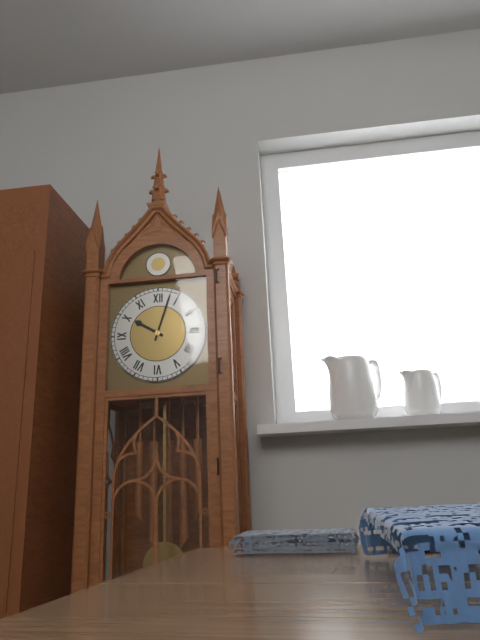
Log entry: 10:03
